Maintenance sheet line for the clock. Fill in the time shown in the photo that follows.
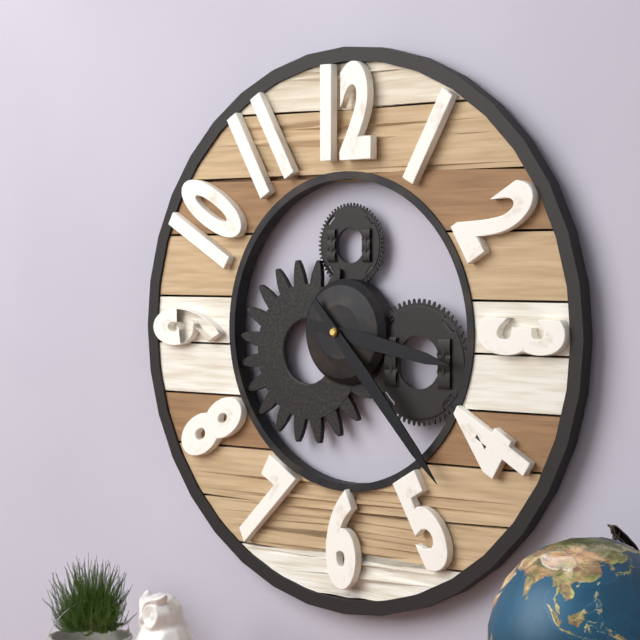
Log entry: 3:23
